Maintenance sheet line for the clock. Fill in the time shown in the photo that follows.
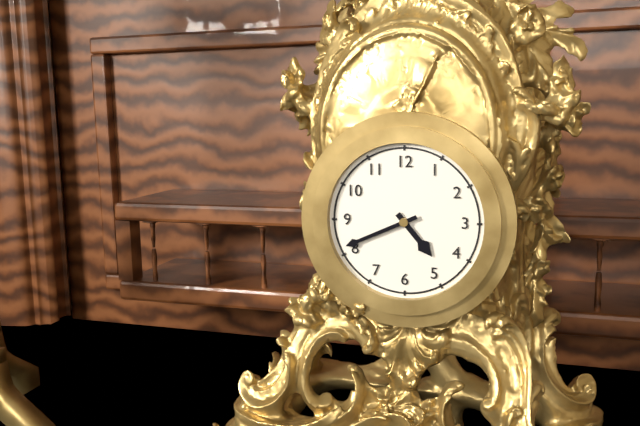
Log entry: 4:41
